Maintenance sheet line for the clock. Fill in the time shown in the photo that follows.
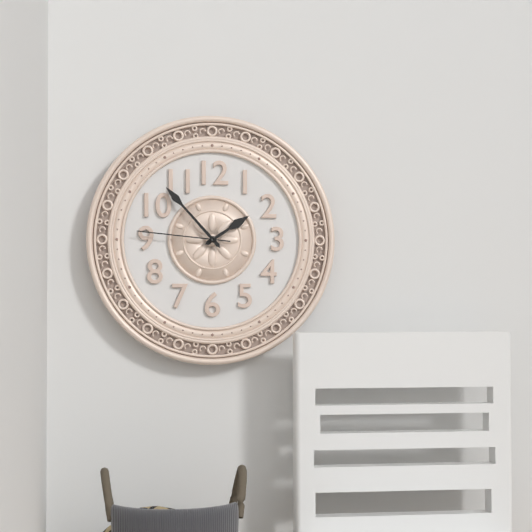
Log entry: 1:53:46
